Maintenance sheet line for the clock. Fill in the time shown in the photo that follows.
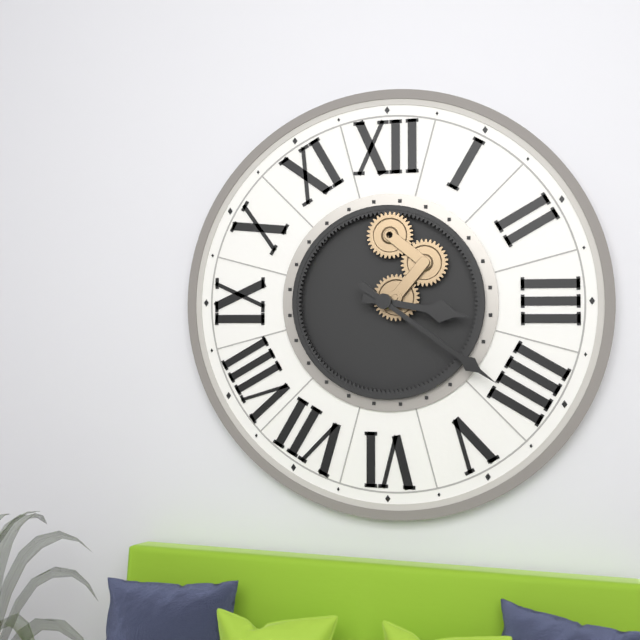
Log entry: 3:21
